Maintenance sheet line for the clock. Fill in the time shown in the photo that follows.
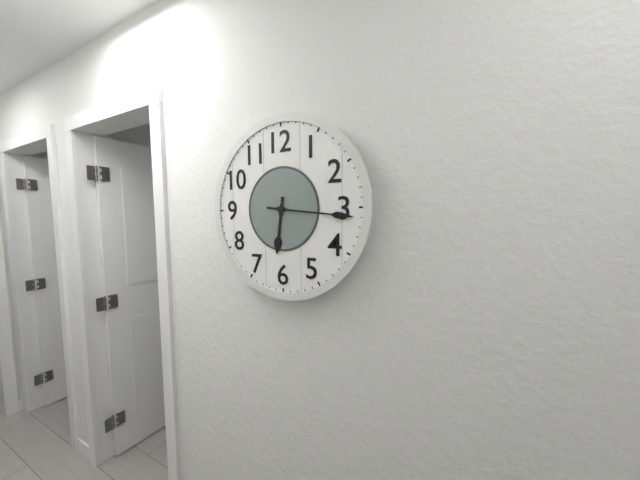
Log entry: 6:16
